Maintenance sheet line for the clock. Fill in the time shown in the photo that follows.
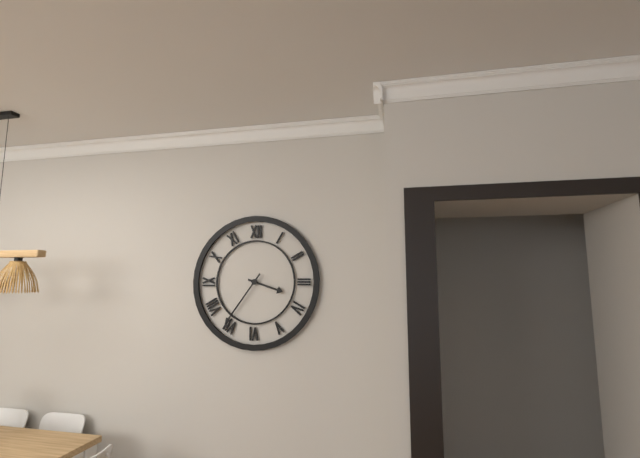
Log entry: 3:36
